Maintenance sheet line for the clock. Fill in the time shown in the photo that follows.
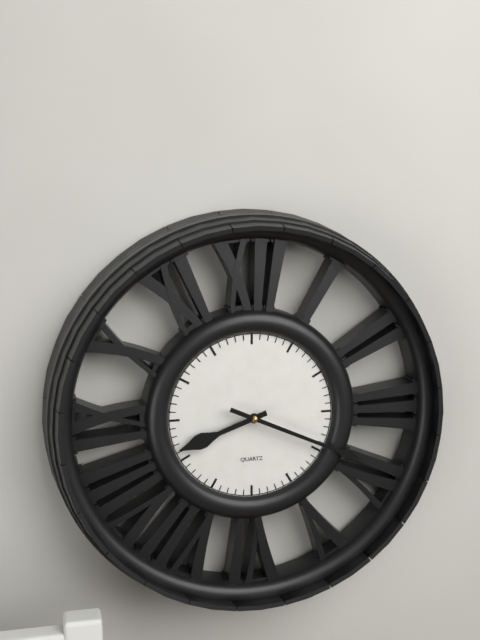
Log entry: 8:19
